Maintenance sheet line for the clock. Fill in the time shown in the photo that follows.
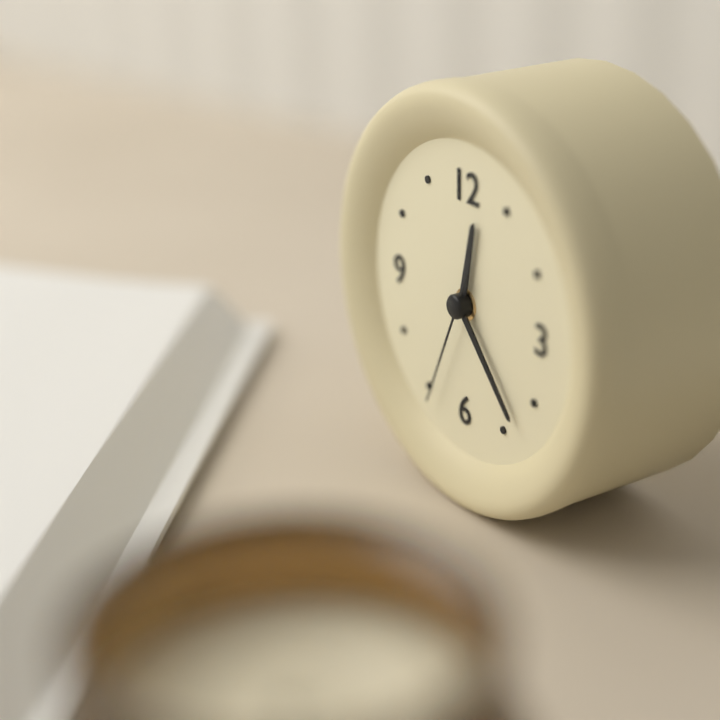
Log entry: 12:23:34
